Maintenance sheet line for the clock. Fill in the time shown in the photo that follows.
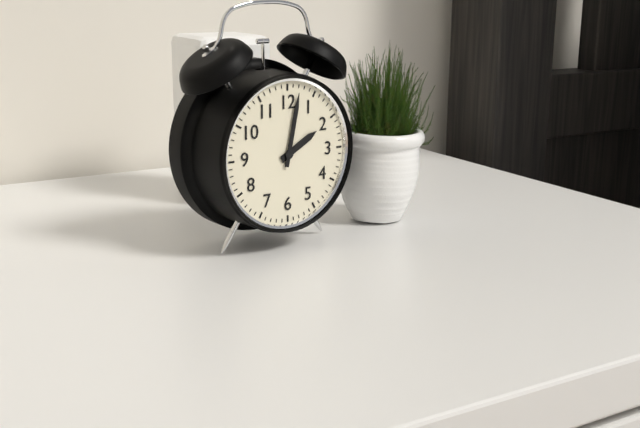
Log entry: 2:02
